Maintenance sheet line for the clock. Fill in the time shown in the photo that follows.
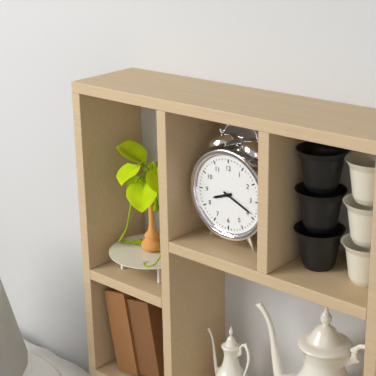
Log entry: 8:19
